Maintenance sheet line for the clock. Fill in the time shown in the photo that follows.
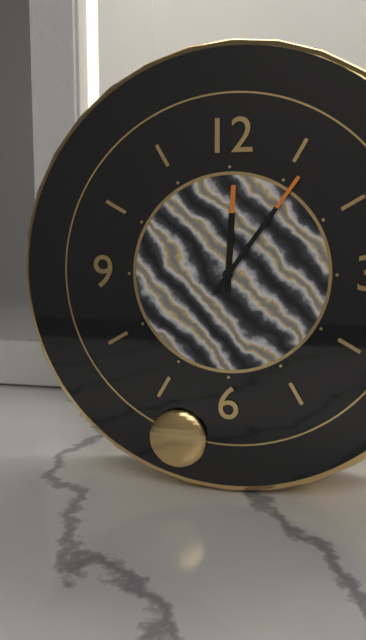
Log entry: 12:06
